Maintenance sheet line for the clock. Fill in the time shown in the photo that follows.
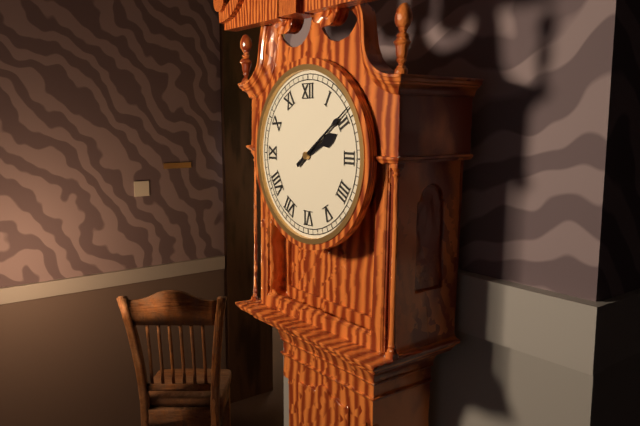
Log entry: 2:09
